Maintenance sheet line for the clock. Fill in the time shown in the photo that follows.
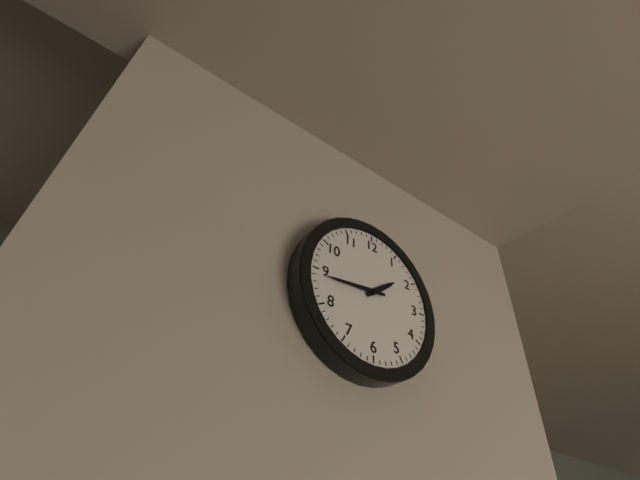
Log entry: 1:44
